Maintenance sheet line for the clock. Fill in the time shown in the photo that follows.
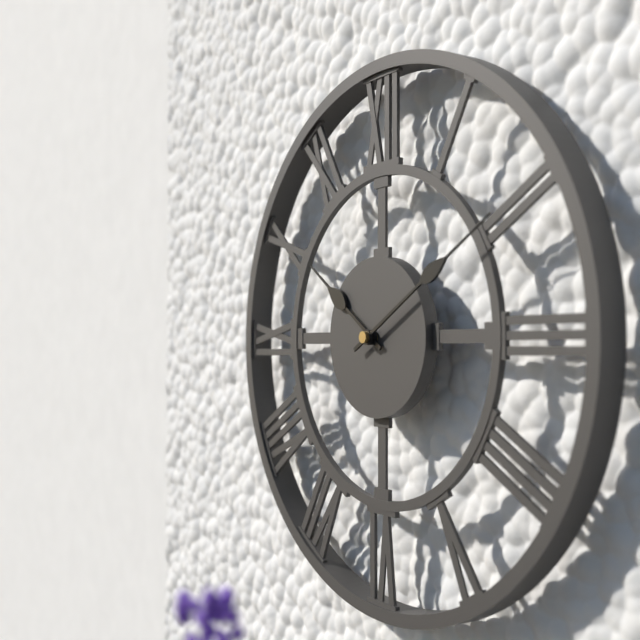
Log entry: 10:10
